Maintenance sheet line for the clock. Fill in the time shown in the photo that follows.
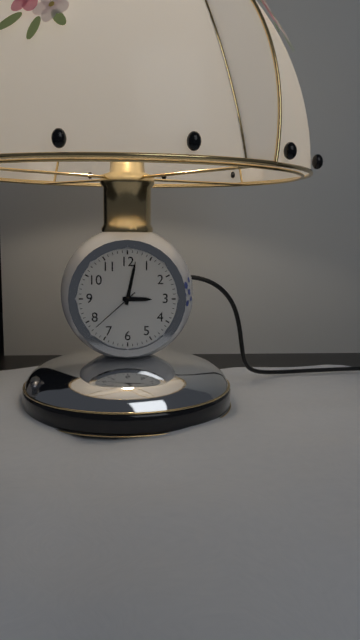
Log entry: 3:02:38
